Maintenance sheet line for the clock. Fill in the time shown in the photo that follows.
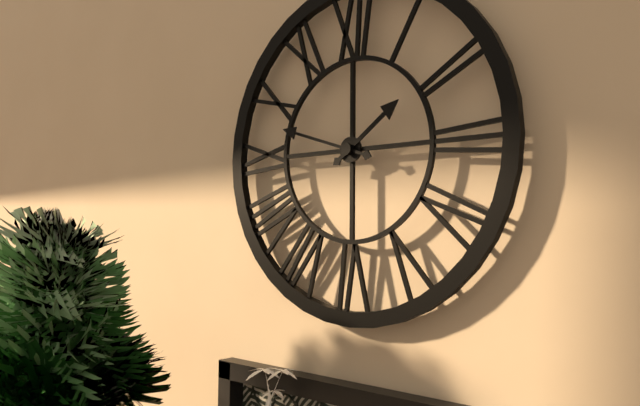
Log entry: 1:48
